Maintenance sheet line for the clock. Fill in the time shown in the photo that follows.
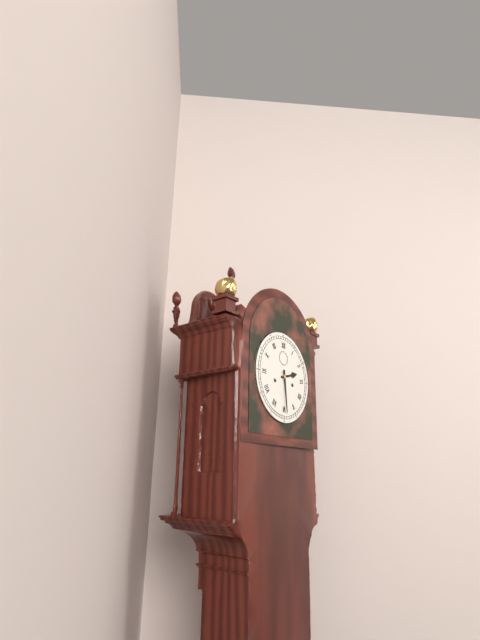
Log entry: 2:29
